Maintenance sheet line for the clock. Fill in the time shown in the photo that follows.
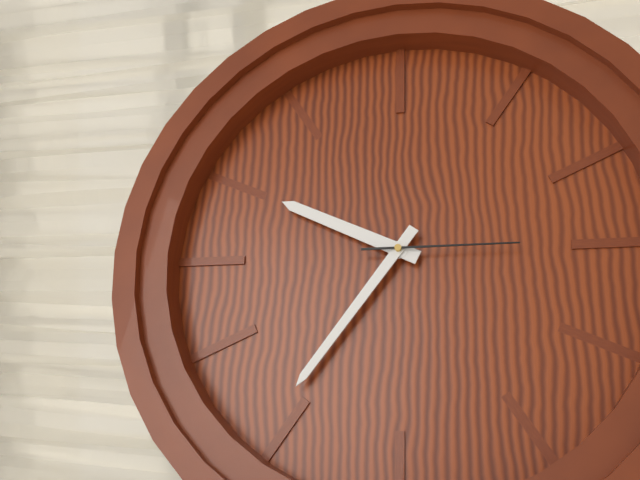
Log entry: 12:51:30
